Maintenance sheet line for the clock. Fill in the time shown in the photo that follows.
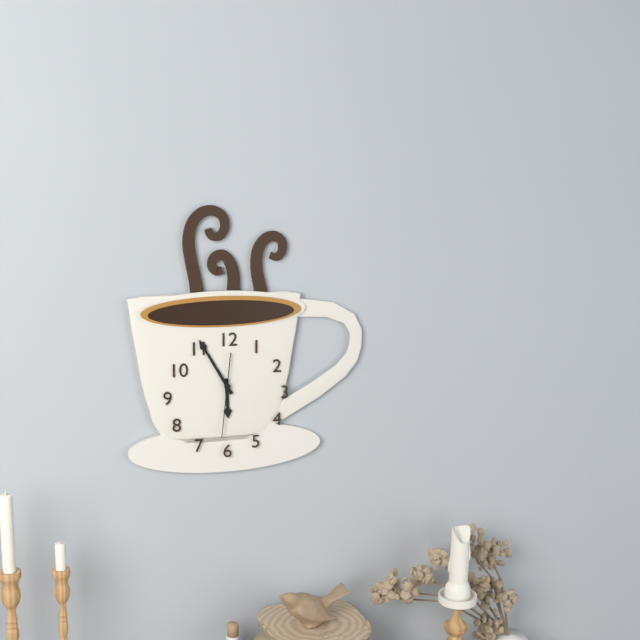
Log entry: 5:55:31
